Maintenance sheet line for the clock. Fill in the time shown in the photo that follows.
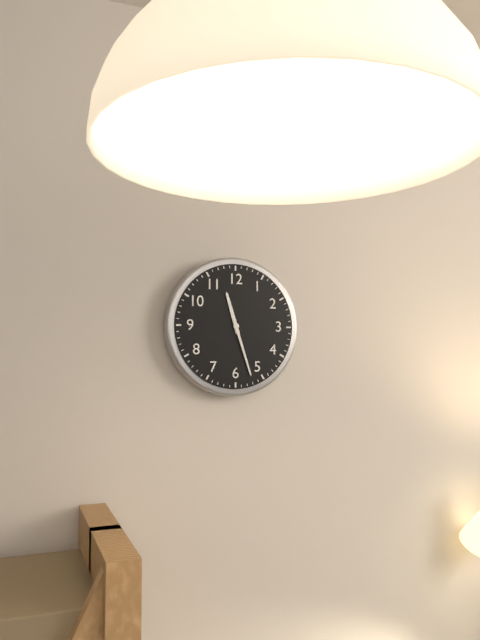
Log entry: 11:27
